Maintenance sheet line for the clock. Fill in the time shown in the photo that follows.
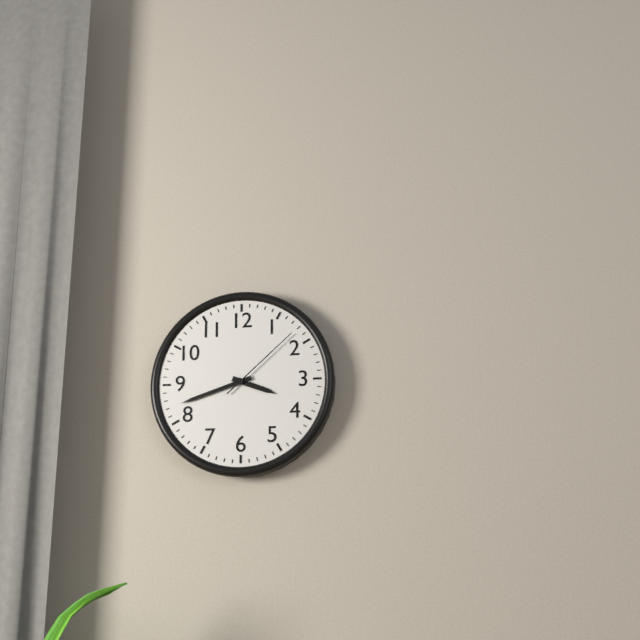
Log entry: 3:42:08
